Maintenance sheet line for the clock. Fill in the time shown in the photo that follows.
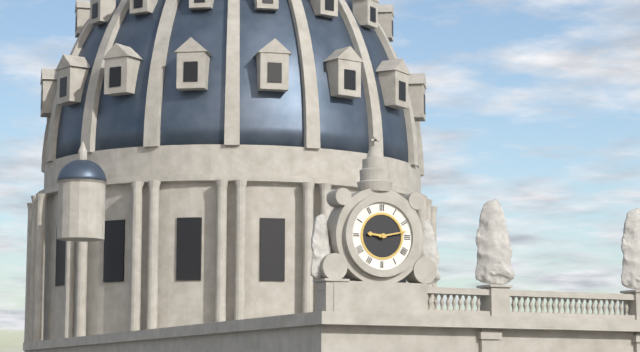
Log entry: 9:13
